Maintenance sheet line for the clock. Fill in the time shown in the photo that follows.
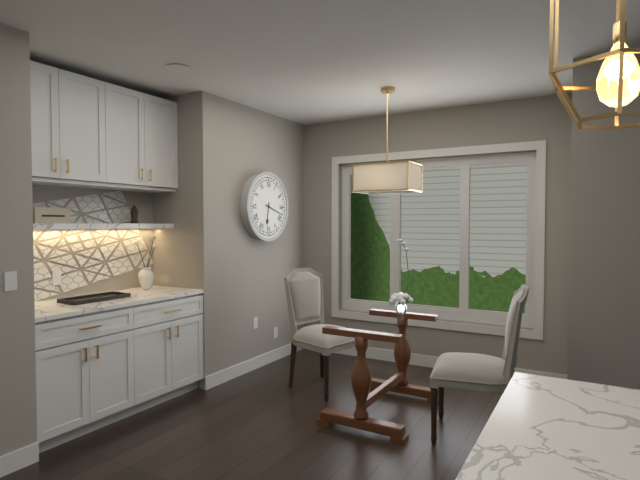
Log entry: 6:18
